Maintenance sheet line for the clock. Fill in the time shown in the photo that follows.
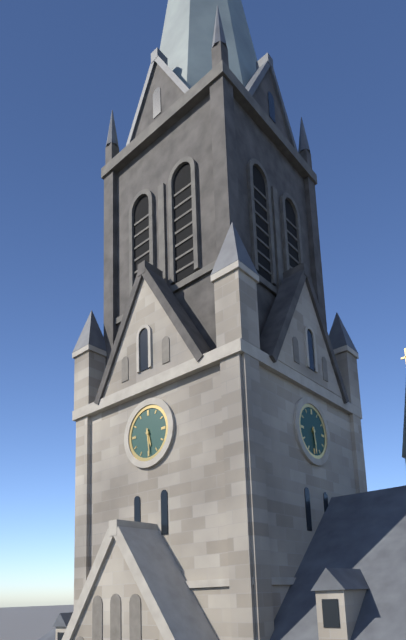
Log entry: 5:29
